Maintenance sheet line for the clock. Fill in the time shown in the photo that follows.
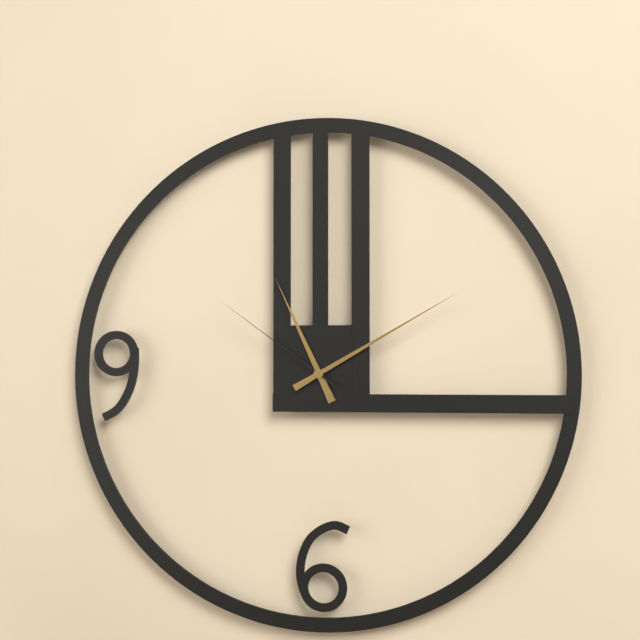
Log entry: 11:10:51
